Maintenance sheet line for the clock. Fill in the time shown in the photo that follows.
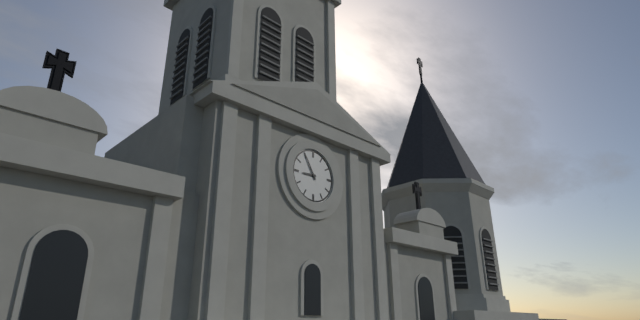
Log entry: 8:55
